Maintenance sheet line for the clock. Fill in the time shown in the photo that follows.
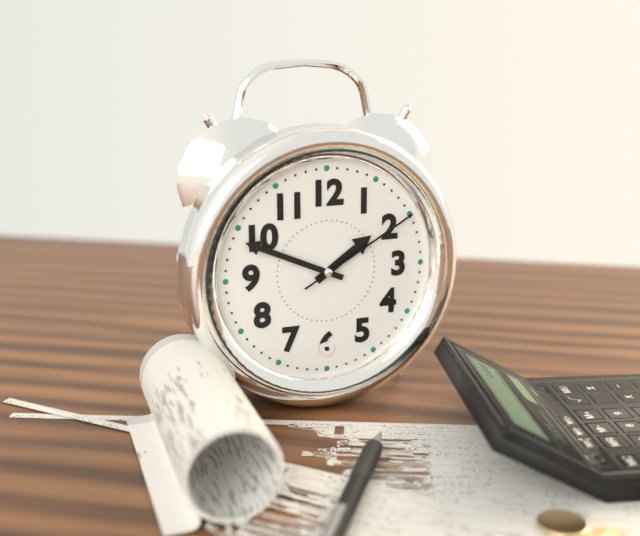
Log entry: 1:49:10
